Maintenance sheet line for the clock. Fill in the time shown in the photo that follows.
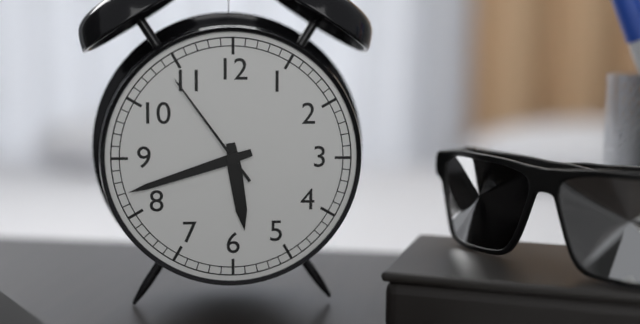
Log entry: 5:42:54
